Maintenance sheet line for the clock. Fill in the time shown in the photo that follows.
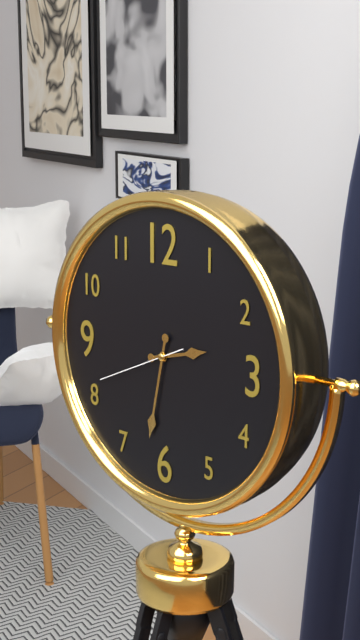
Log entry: 2:32:41
